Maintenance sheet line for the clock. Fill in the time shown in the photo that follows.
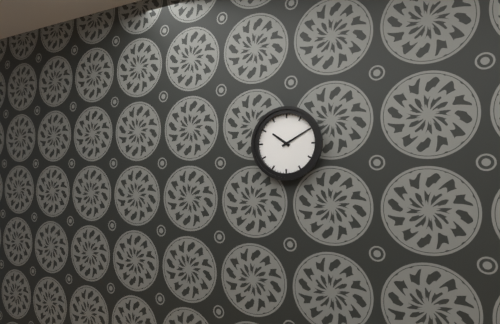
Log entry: 10:10
